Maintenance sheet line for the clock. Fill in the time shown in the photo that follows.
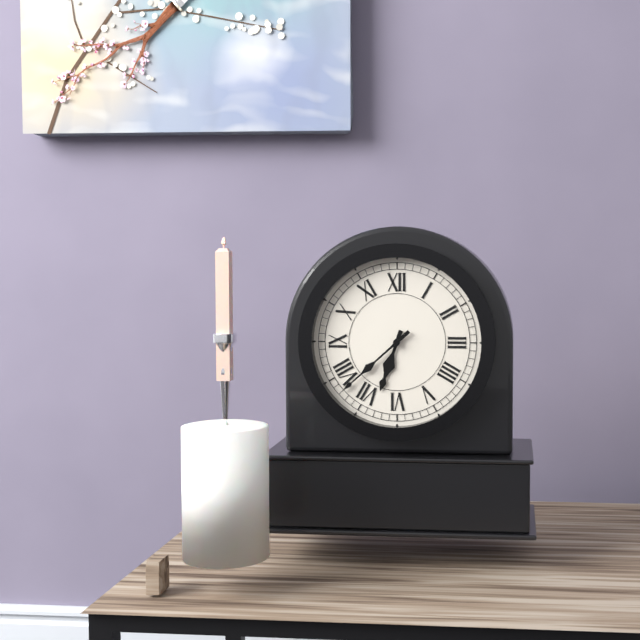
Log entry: 6:38
